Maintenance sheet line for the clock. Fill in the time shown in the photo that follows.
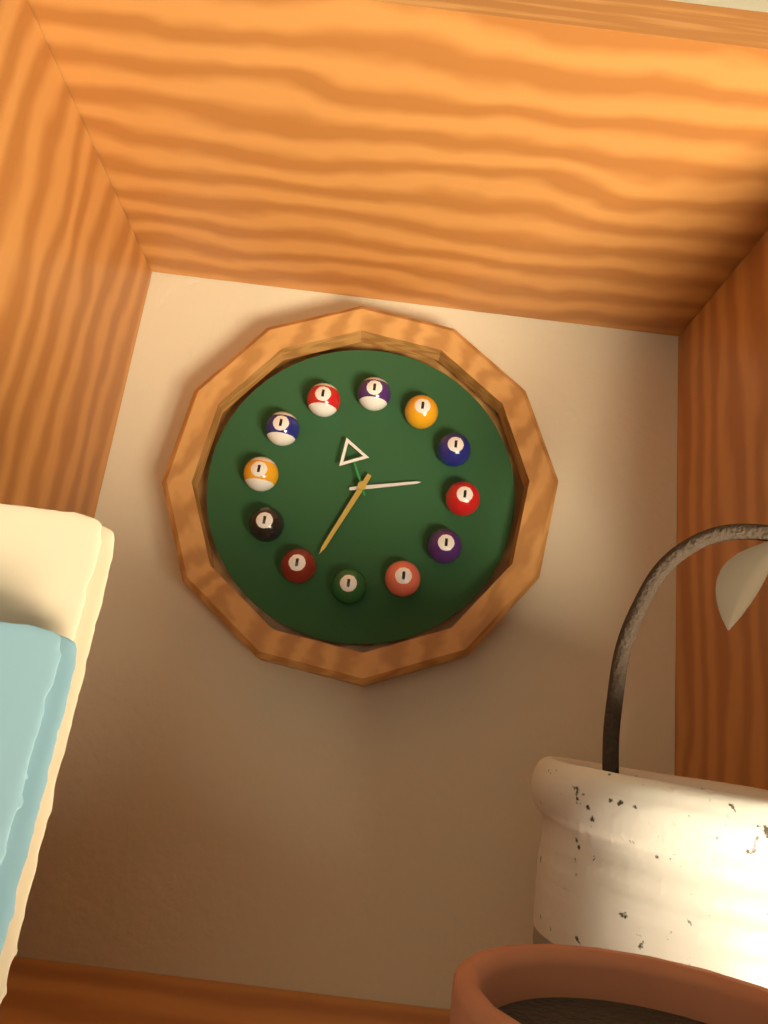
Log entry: 2:34:56
